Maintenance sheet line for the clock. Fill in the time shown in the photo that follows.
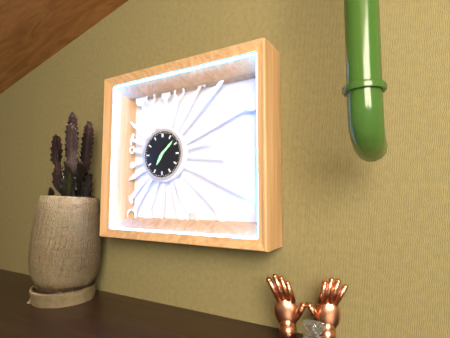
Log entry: 7:08
